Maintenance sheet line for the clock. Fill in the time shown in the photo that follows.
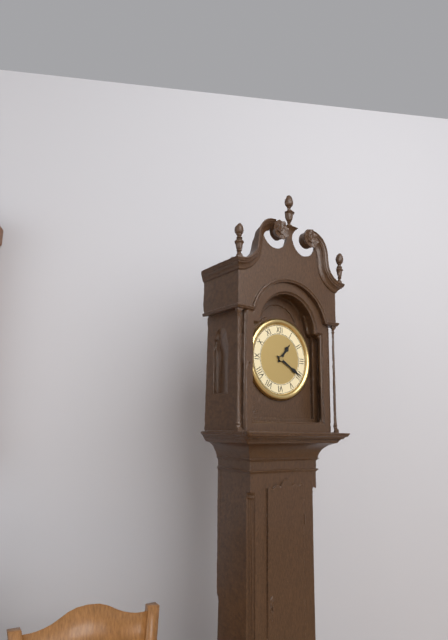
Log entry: 1:20
